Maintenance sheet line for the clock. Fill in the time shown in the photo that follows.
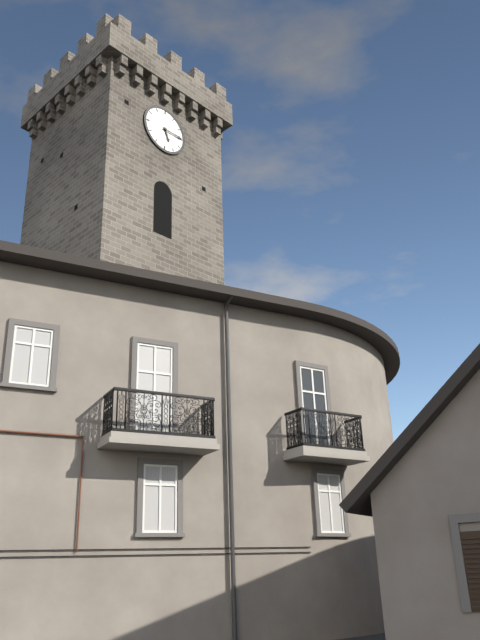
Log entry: 5:15
